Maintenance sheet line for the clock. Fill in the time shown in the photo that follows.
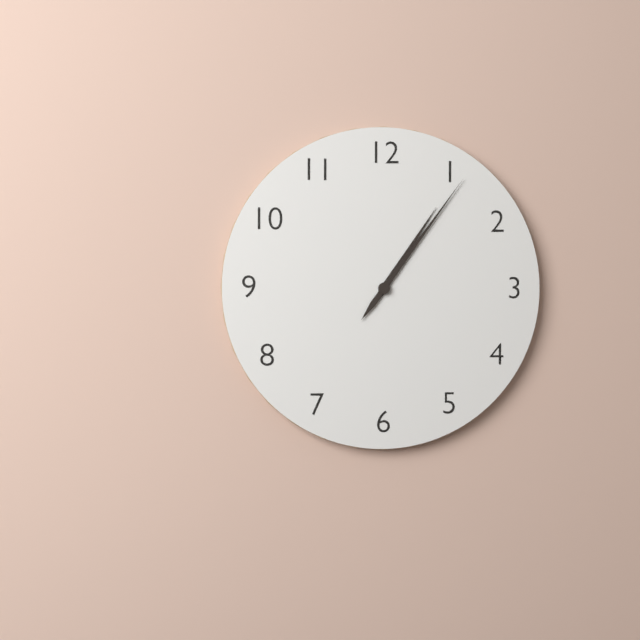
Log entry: 1:06
